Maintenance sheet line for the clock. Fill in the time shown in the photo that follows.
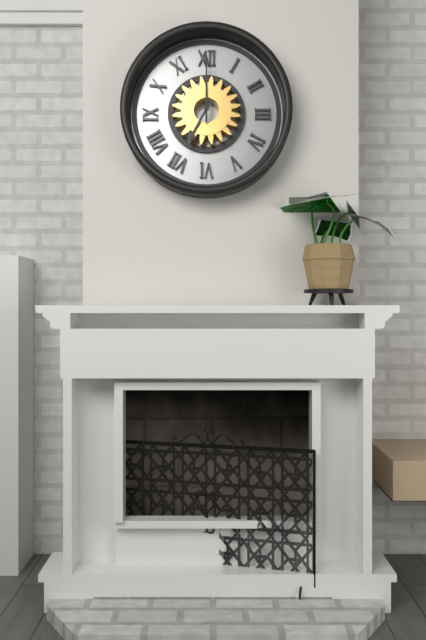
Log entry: 7:00
